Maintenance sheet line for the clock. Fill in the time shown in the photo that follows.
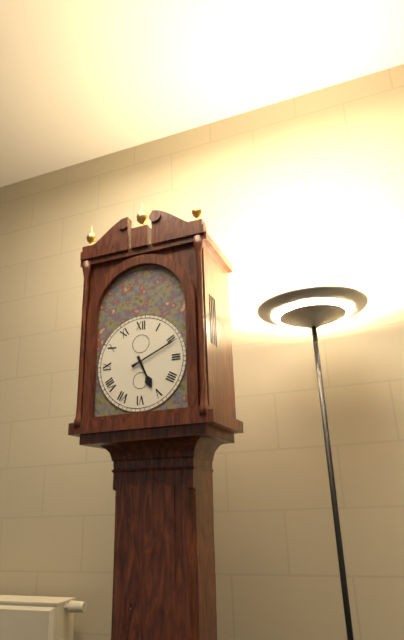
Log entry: 5:11
